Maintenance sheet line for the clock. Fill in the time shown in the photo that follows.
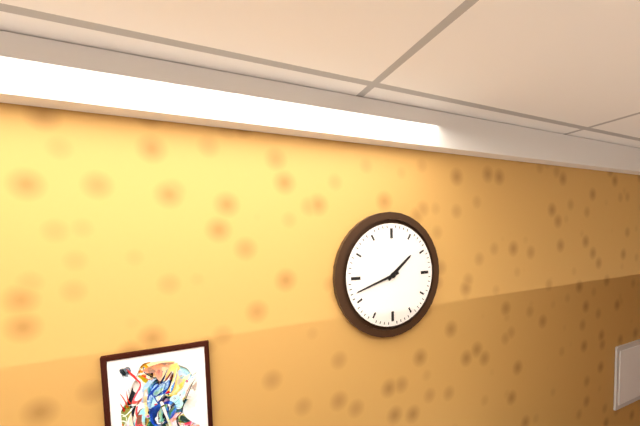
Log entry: 1:42
